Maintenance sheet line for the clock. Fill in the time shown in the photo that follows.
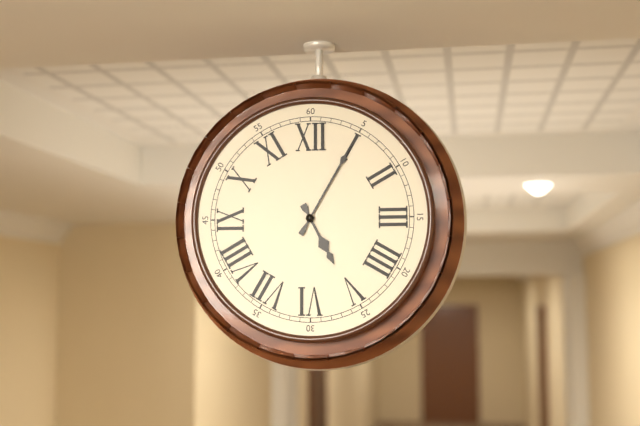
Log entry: 5:05
